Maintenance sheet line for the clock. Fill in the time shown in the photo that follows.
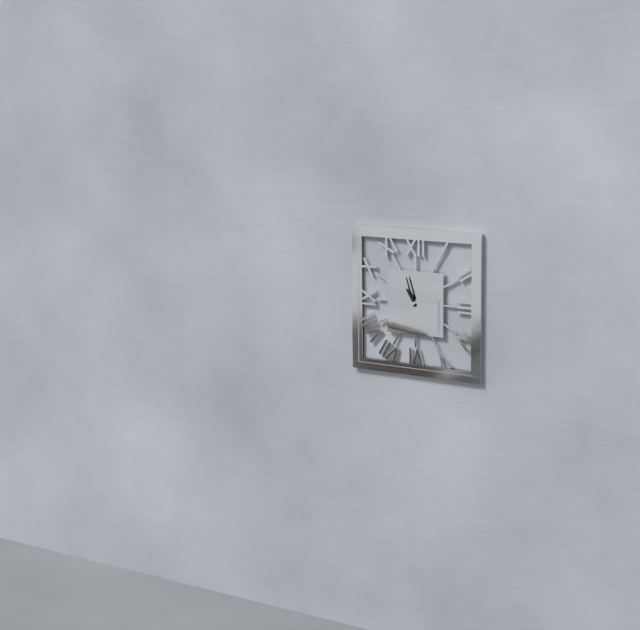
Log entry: 10:57
